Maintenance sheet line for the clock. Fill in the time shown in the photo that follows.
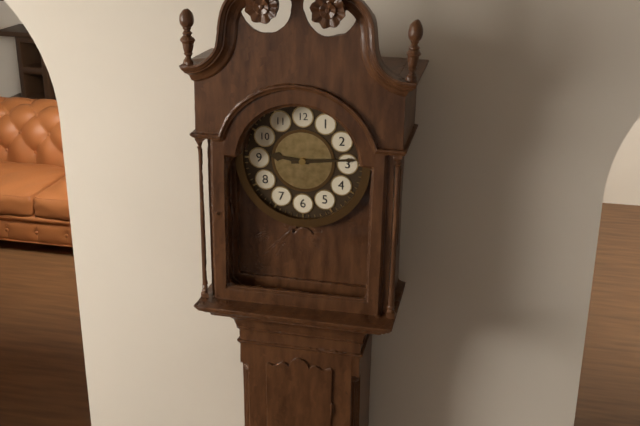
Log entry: 9:14
